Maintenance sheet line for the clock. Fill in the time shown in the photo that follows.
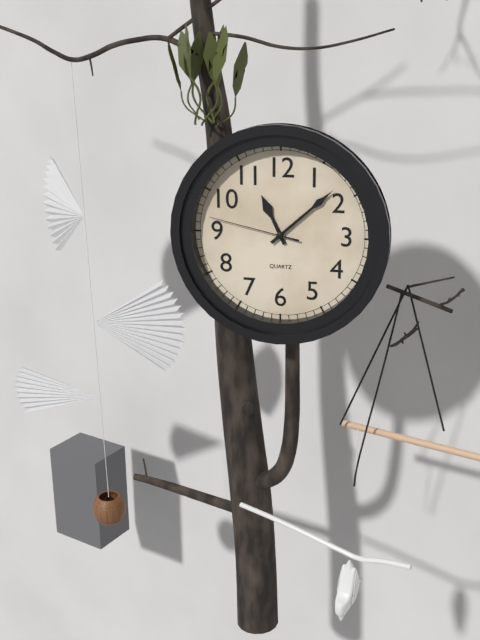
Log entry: 11:08:47
